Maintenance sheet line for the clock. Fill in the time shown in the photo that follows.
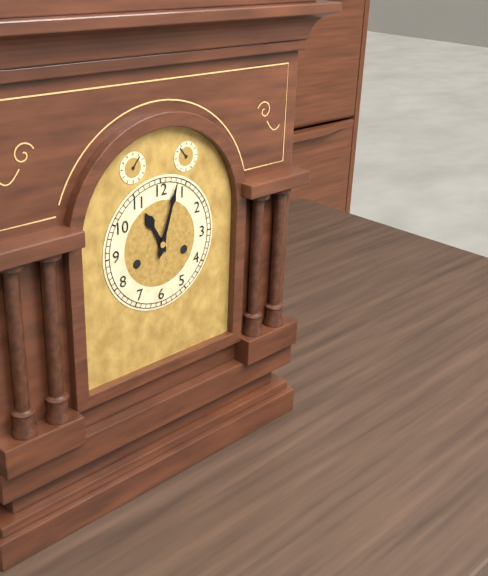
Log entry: 11:03
